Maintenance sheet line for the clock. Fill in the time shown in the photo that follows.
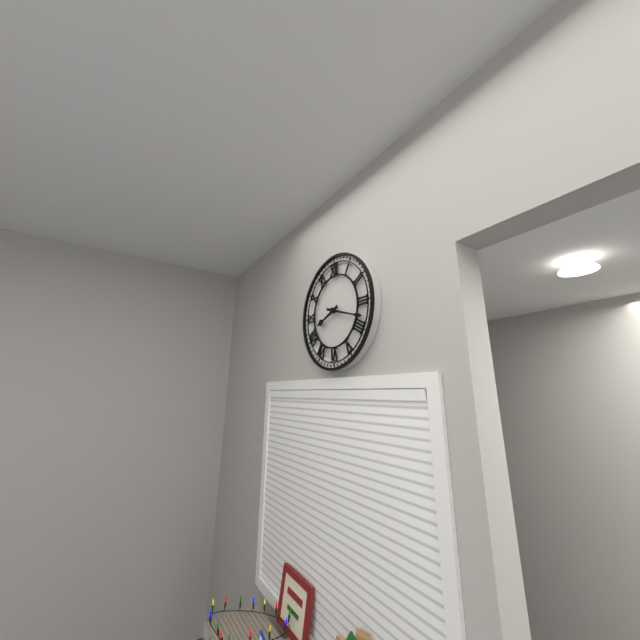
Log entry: 8:18
